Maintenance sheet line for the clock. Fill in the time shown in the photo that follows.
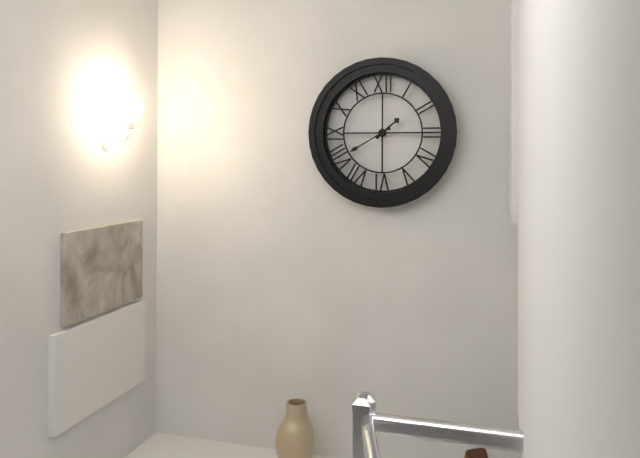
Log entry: 1:40
